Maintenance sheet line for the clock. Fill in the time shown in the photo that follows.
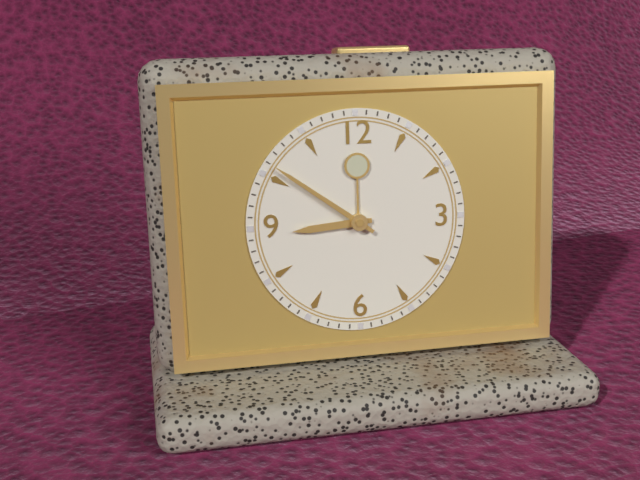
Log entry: 8:51
